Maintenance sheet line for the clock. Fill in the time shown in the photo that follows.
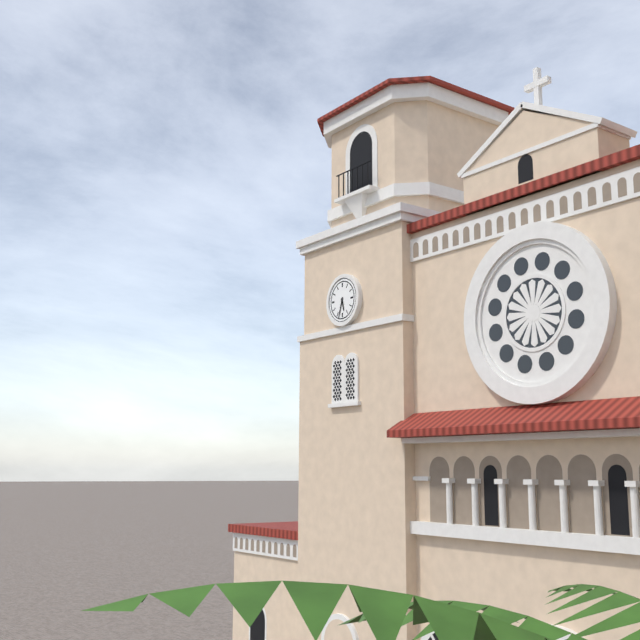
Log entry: 5:33
